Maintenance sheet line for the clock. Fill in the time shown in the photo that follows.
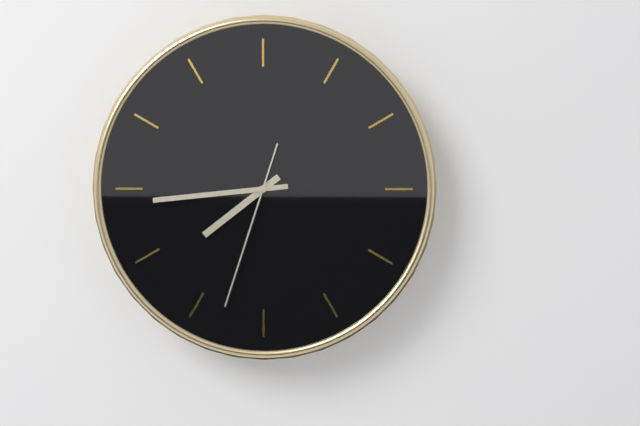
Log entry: 7:44:33
